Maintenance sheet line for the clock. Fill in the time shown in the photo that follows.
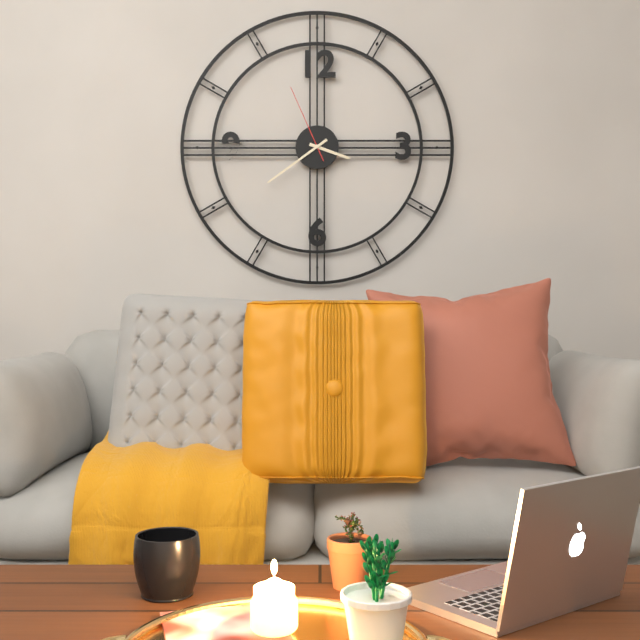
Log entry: 3:39:56
